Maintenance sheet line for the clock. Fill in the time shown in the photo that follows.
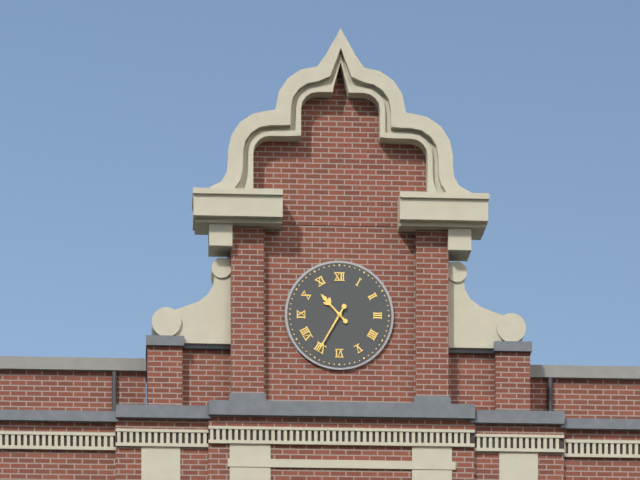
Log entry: 10:35
